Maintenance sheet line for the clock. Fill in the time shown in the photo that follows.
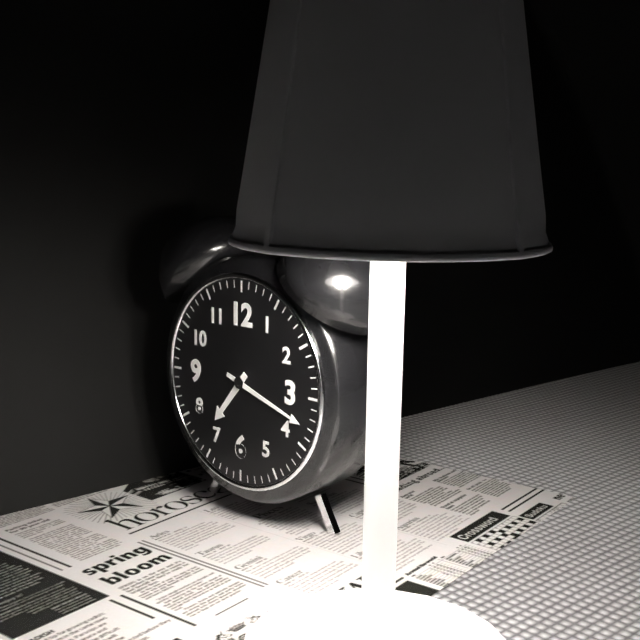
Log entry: 7:18
